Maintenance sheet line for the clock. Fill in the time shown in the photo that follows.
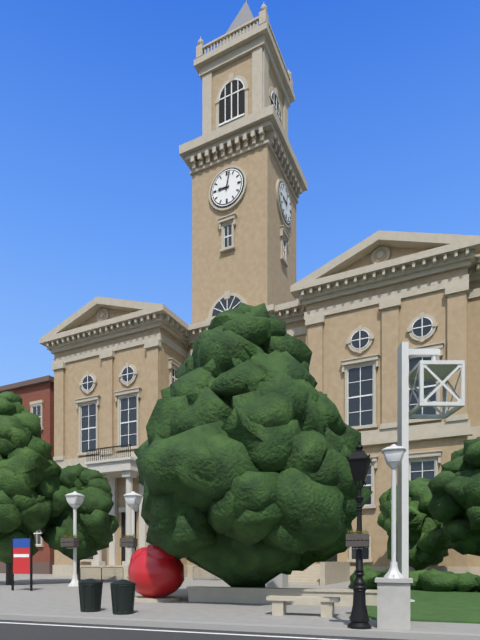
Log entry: 9:02
